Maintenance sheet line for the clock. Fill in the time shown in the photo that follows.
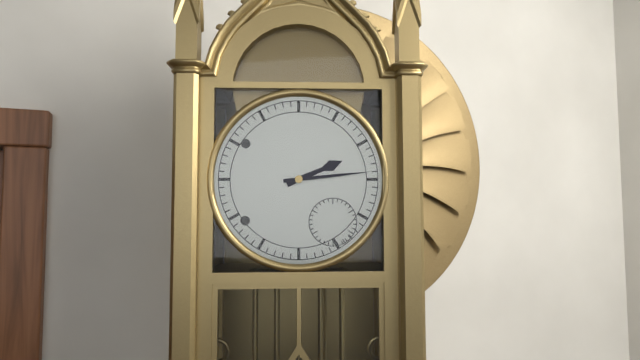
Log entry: 2:14
